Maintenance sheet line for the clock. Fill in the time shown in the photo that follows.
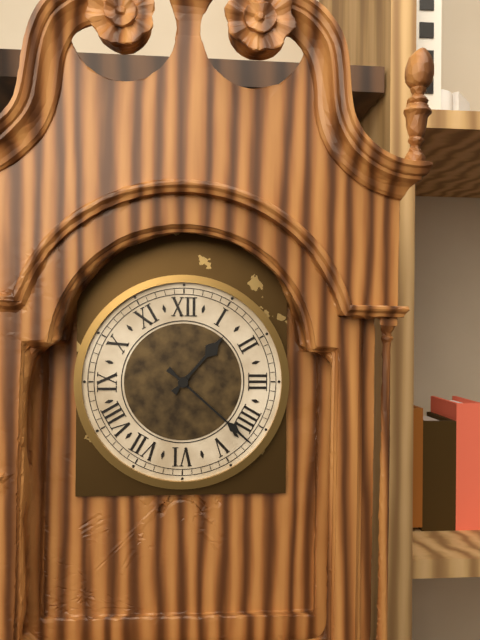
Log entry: 1:22
